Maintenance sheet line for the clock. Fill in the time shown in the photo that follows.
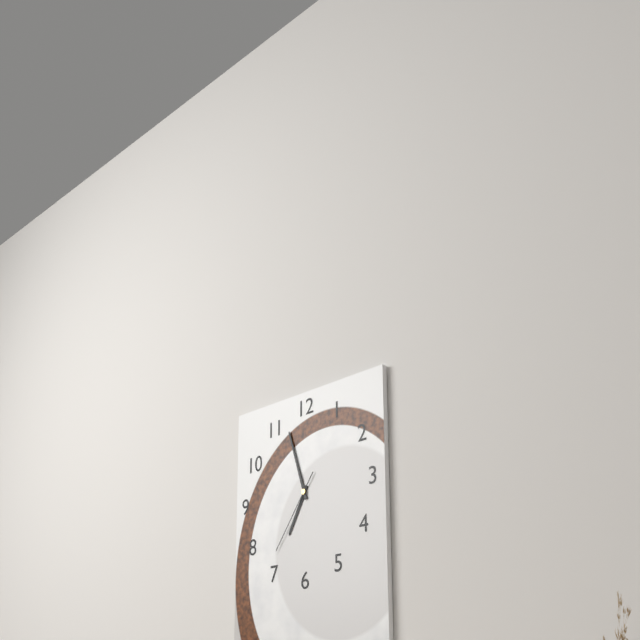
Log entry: 6:57:36
